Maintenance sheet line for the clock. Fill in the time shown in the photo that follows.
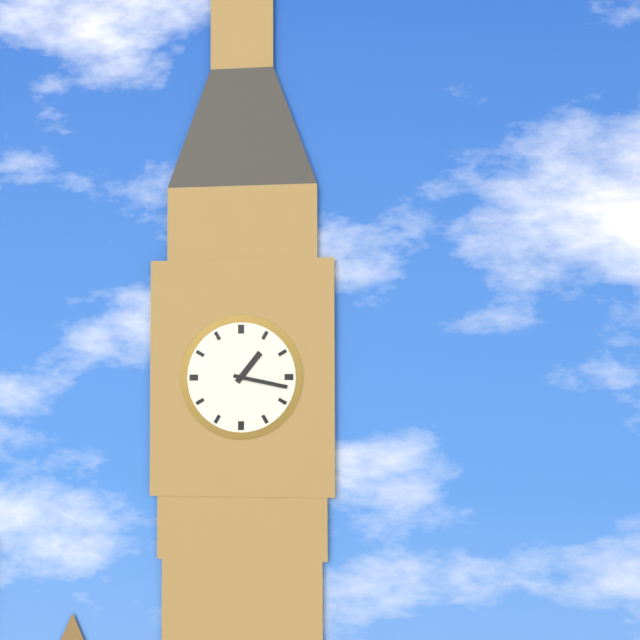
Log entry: 1:17
